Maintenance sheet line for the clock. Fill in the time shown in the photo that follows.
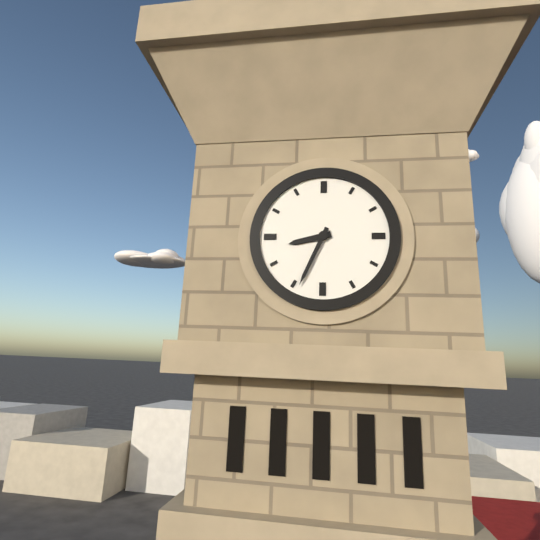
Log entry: 8:34
